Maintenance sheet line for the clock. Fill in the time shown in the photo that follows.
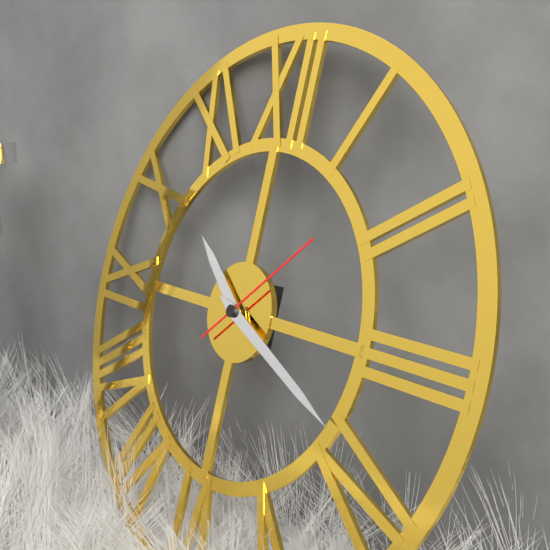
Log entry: 10:19:08
